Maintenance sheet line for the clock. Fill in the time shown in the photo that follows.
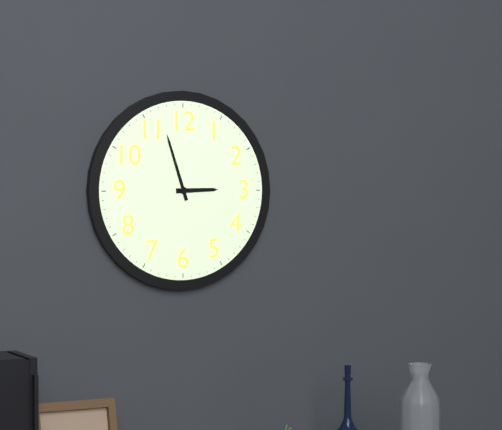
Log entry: 2:57
